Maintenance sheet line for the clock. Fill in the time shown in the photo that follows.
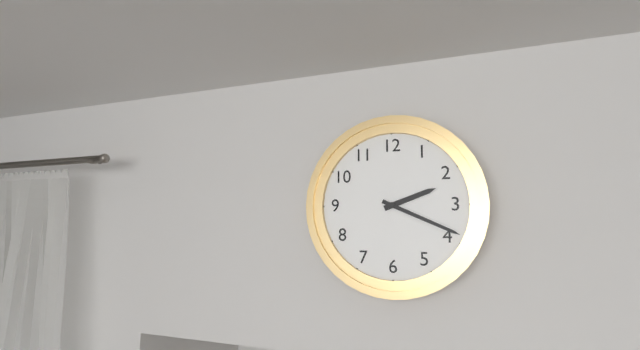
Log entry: 2:19
